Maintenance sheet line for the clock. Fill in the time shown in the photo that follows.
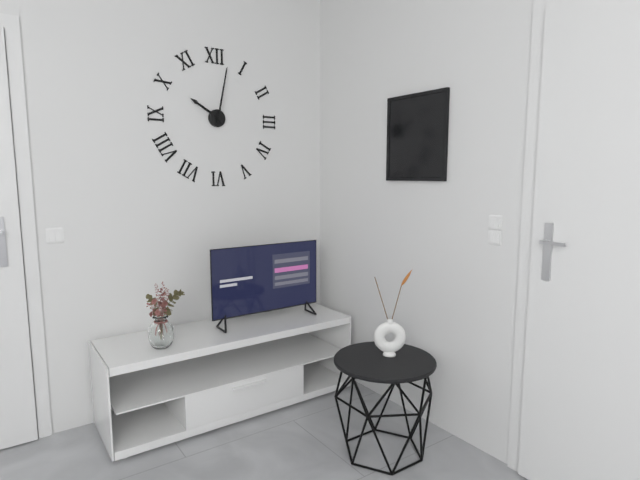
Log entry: 10:02
